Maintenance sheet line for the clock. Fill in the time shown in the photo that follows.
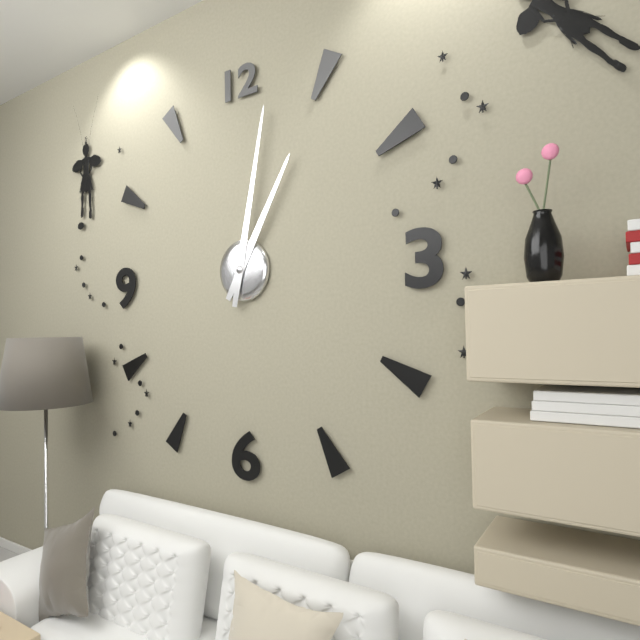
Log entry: 1:02
